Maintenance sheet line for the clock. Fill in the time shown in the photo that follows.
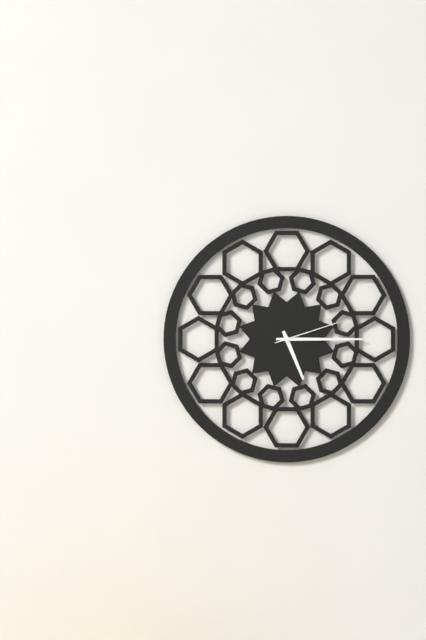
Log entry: 5:15:12
